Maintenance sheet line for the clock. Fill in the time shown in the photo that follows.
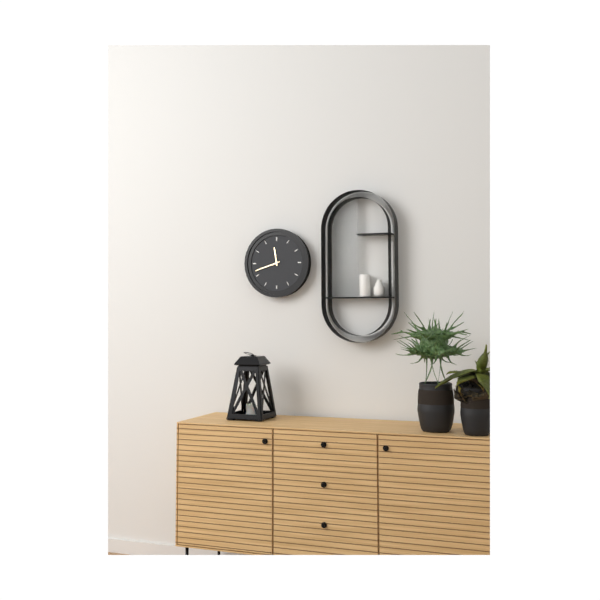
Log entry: 11:42
